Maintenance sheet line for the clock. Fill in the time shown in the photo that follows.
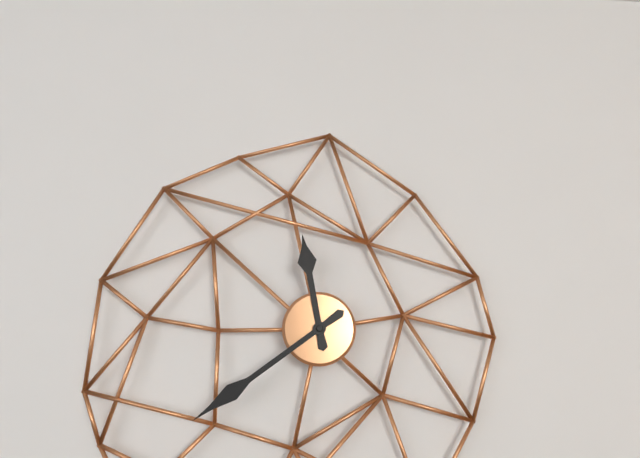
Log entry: 11:39
